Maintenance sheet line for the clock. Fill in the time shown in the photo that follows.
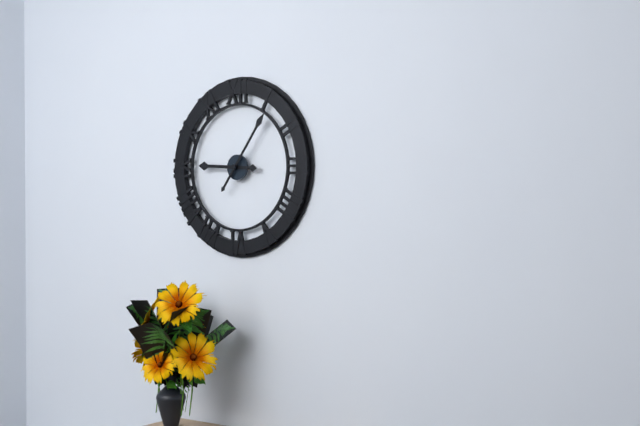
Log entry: 9:06
